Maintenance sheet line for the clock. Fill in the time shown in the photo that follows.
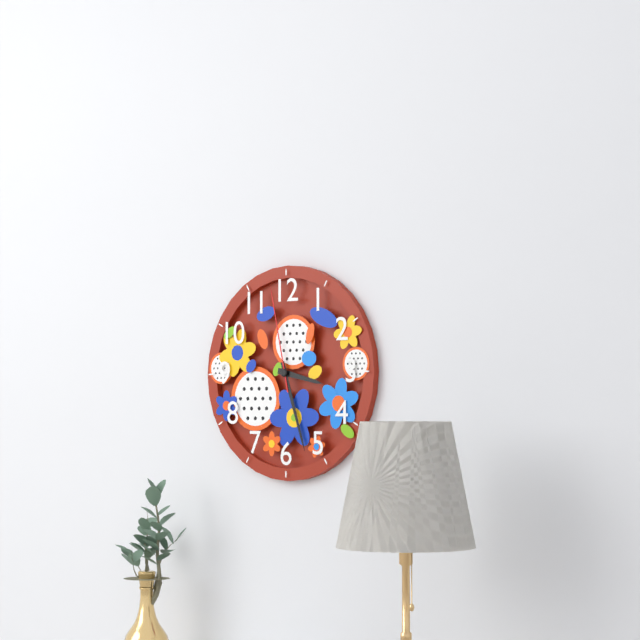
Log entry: 3:27:58
